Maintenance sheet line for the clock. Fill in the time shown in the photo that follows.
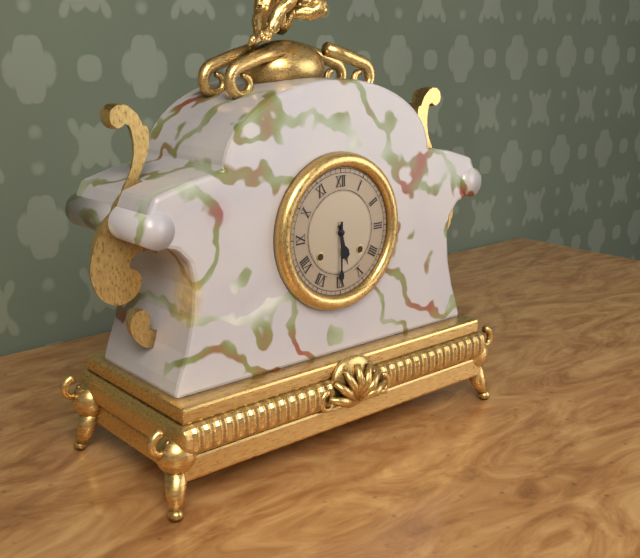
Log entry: 5:30
